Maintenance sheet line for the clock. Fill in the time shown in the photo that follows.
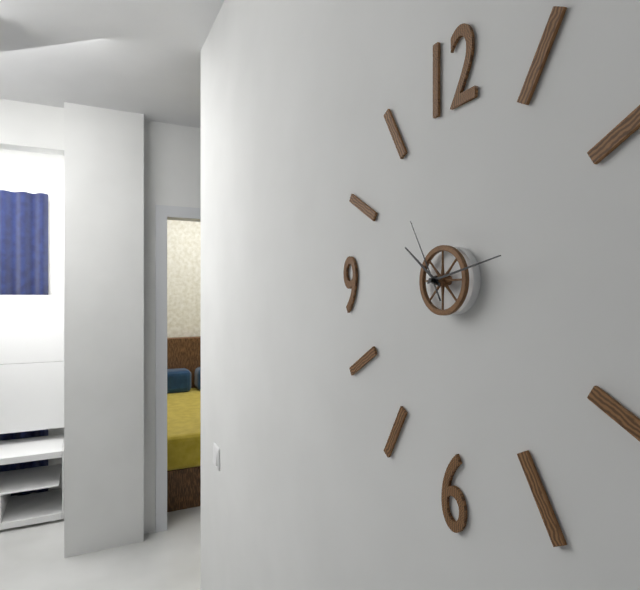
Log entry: 10:13:55
